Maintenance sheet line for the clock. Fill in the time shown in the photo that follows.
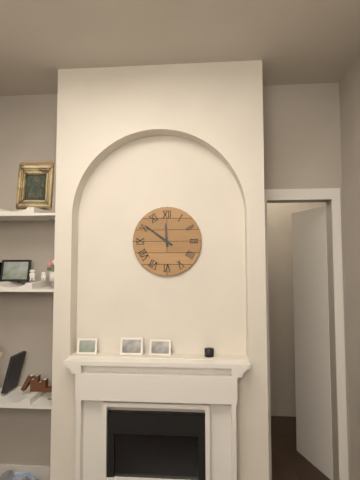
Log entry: 11:51
